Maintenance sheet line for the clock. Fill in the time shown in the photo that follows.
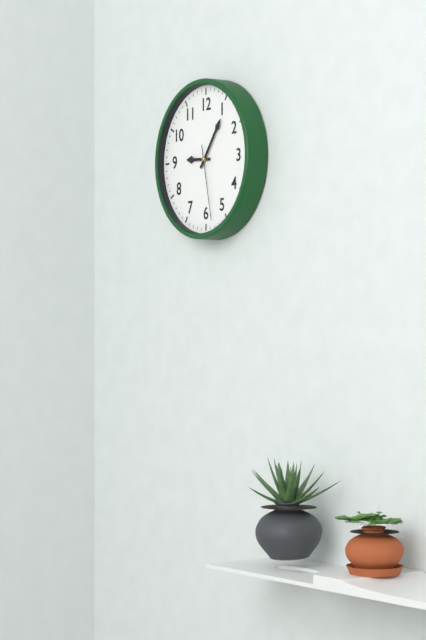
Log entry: 9:06:28
